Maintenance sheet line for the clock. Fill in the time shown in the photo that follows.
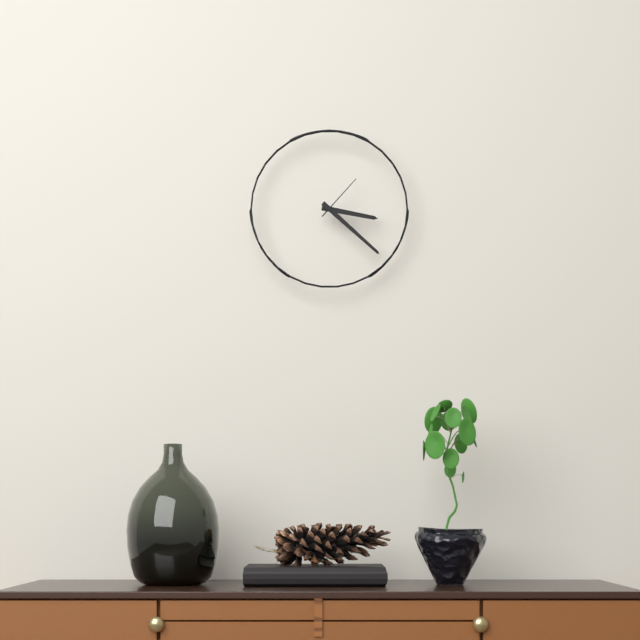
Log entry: 3:22:07
